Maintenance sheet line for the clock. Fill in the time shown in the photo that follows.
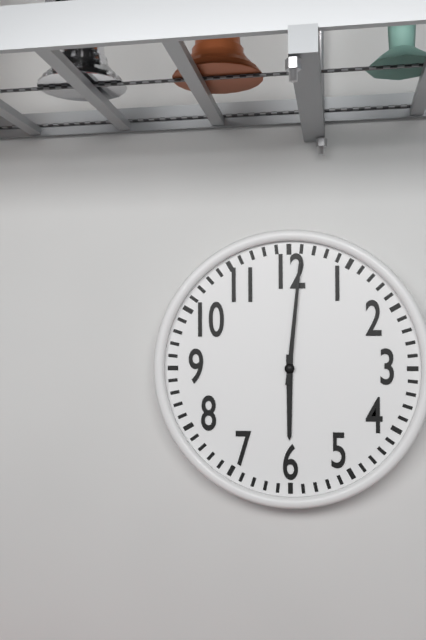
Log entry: 6:01
